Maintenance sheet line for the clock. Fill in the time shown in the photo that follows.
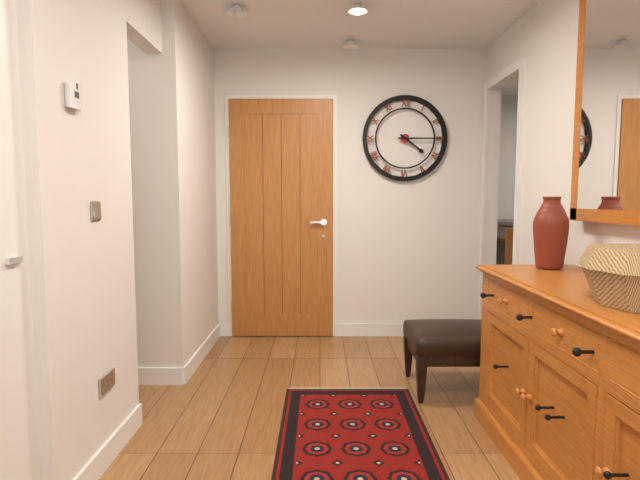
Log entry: 4:15
